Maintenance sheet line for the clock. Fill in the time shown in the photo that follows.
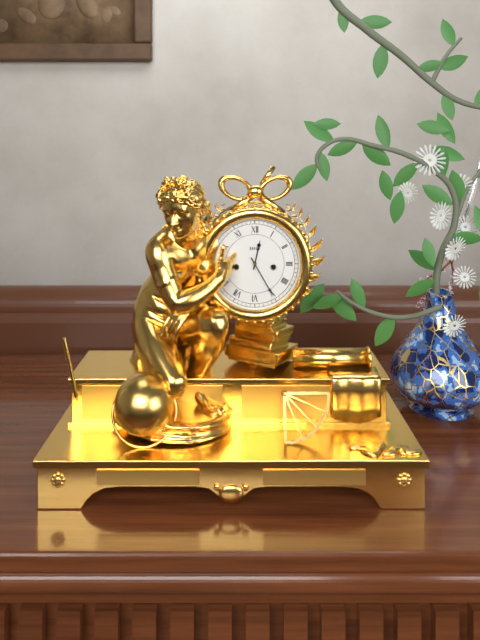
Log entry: 12:25
